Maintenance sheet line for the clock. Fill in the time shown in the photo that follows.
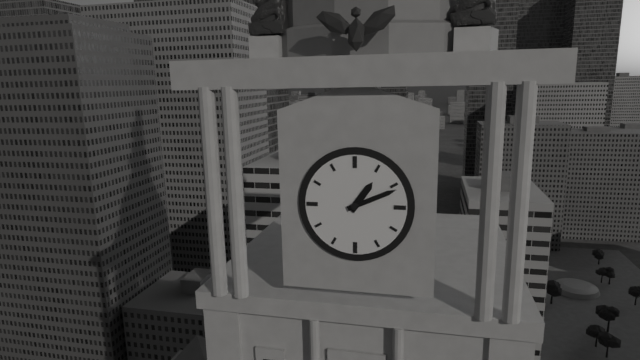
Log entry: 1:11
